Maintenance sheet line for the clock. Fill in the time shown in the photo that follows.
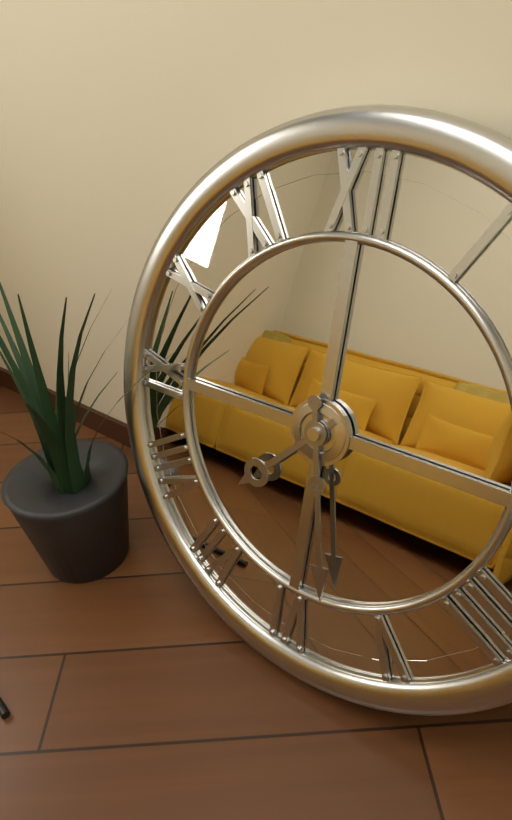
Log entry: 7:28
